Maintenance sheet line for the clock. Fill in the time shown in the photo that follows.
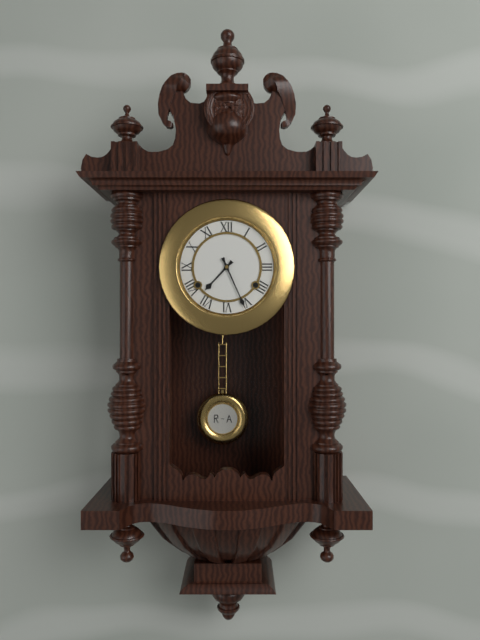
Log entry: 7:26
